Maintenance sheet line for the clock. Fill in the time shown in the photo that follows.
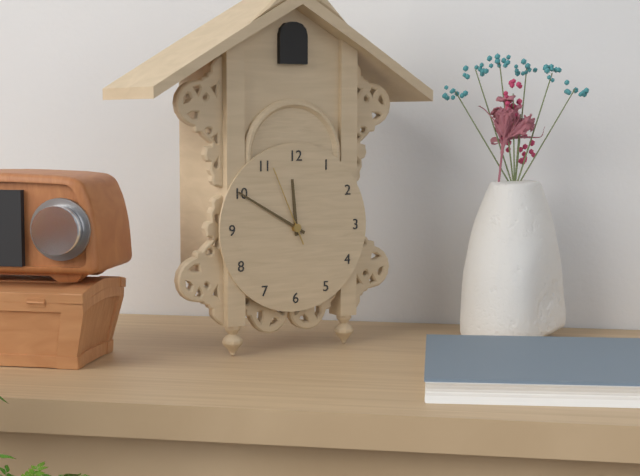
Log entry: 11:50:56
